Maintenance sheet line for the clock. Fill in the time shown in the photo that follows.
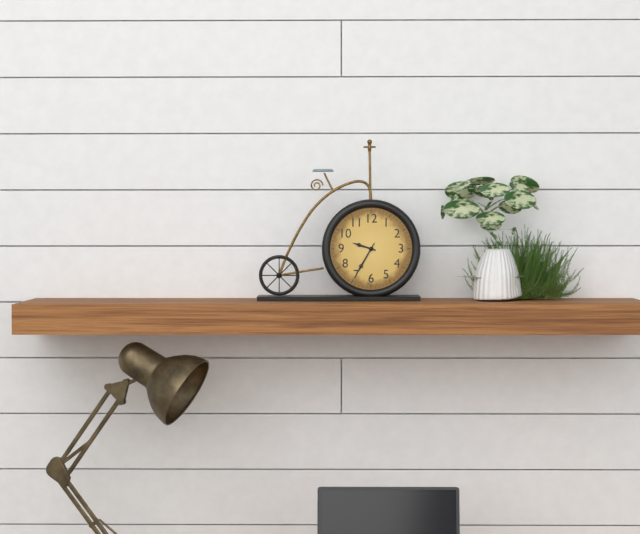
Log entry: 9:35
